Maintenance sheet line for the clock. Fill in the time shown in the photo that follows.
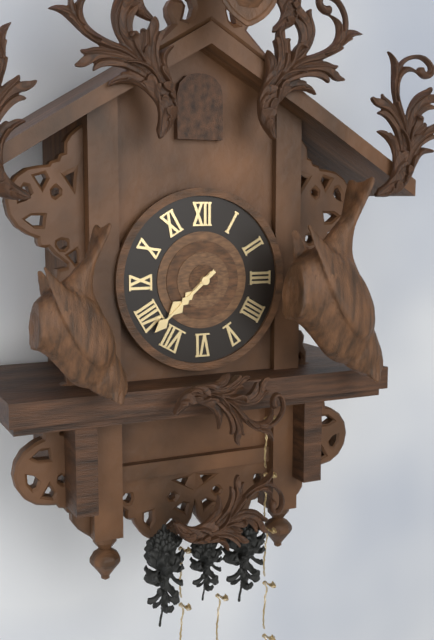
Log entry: 7:38
